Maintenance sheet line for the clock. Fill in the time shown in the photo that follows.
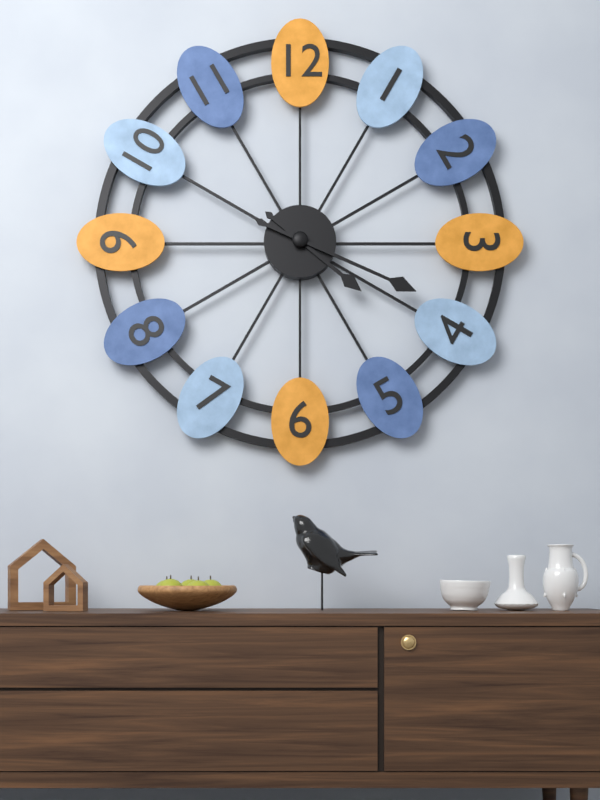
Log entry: 4:19
